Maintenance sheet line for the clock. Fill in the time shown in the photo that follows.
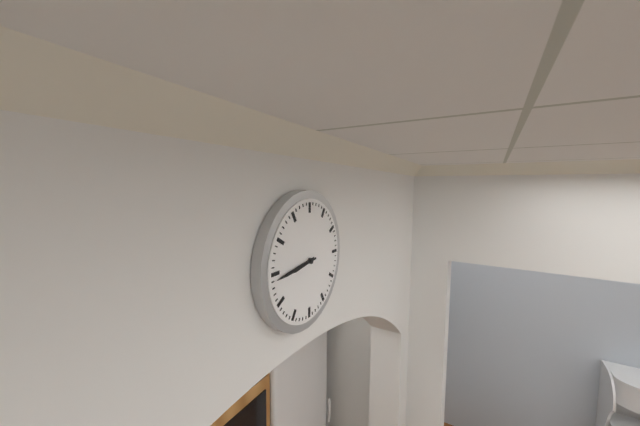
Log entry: 8:44
